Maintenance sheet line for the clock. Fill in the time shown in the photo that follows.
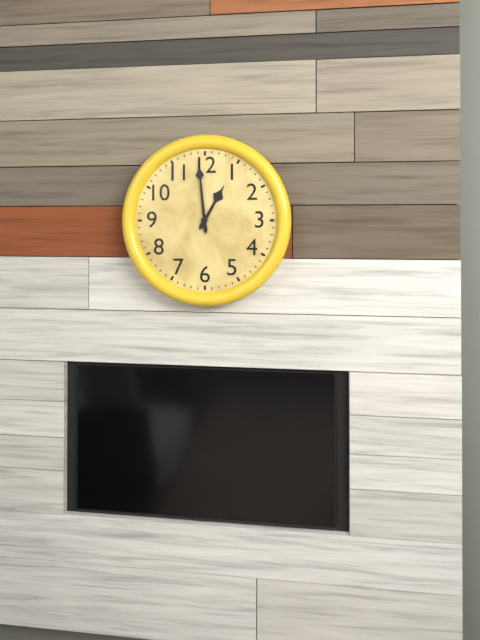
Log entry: 12:59
